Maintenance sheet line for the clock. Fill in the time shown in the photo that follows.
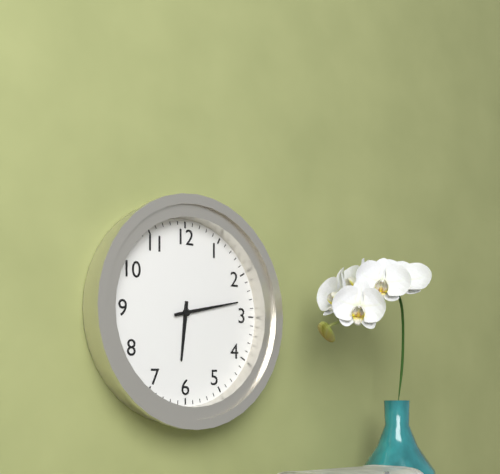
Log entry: 6:13
